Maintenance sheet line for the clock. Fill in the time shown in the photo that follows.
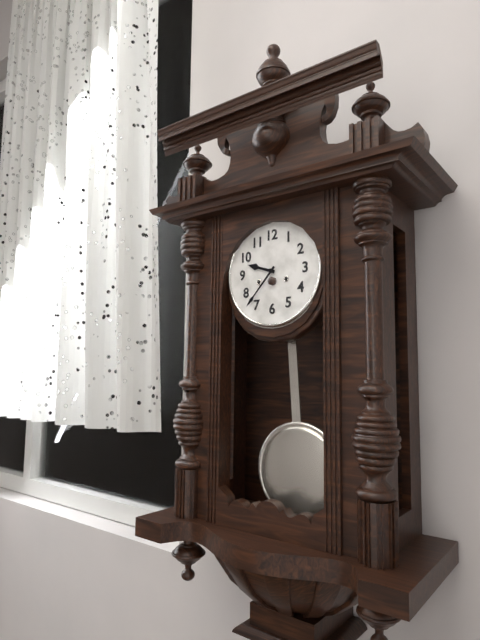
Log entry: 9:37
